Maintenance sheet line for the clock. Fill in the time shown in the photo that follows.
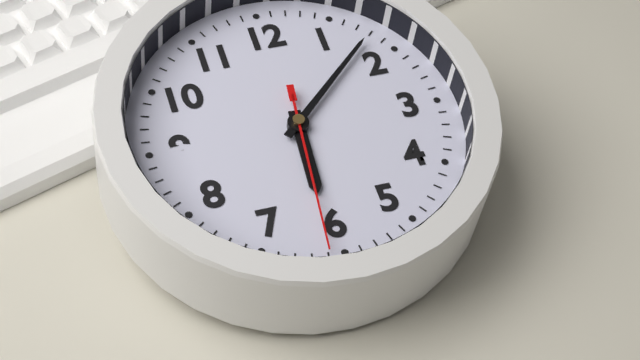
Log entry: 6:08:31
